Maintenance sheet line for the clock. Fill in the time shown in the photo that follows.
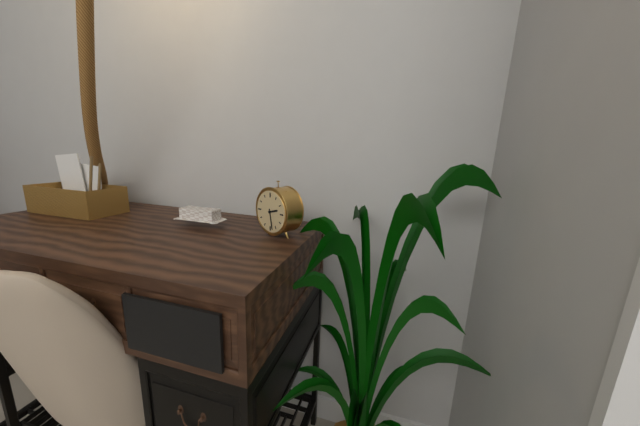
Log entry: 2:28
